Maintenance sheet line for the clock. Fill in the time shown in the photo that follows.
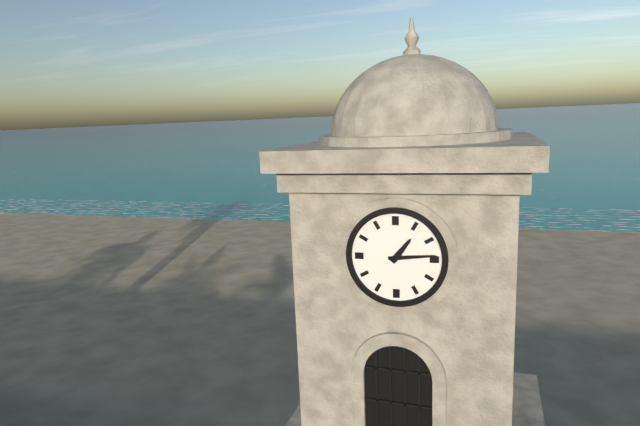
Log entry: 1:14
